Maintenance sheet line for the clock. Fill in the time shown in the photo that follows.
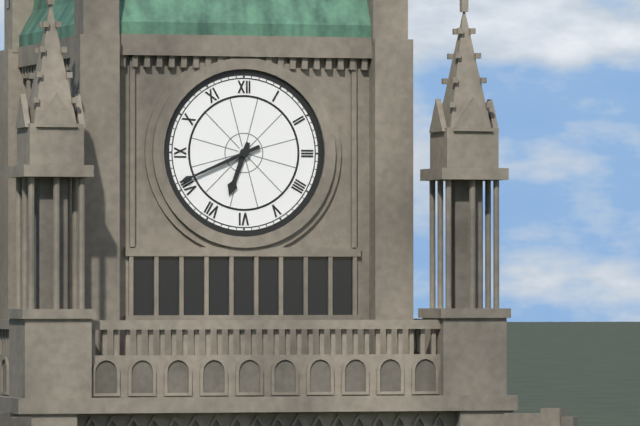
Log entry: 6:41
